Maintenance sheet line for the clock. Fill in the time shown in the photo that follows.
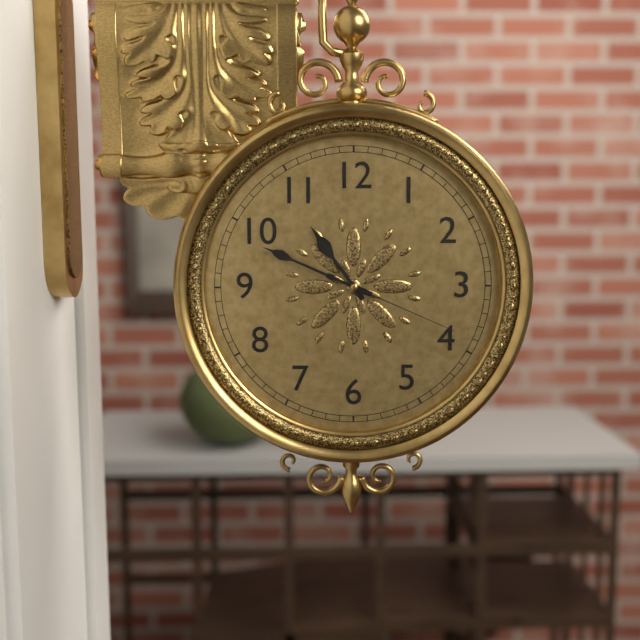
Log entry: 10:49:19
